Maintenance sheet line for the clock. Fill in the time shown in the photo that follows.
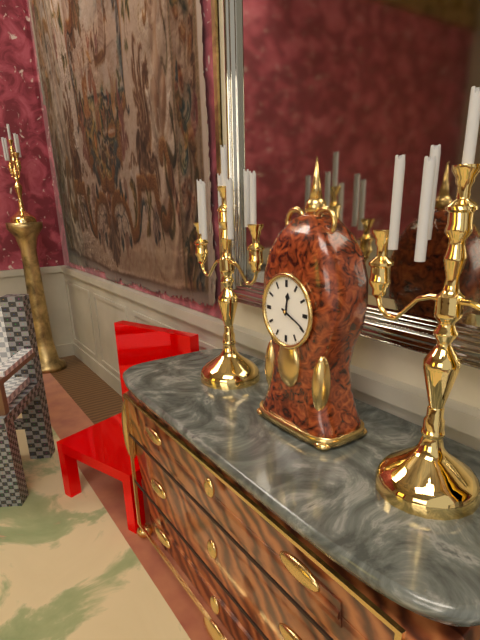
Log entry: 12:19
